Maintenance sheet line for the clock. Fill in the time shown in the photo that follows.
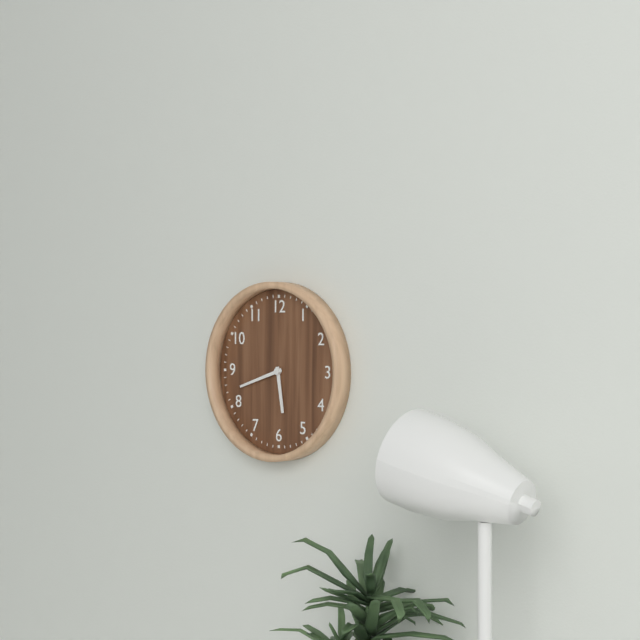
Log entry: 5:42
